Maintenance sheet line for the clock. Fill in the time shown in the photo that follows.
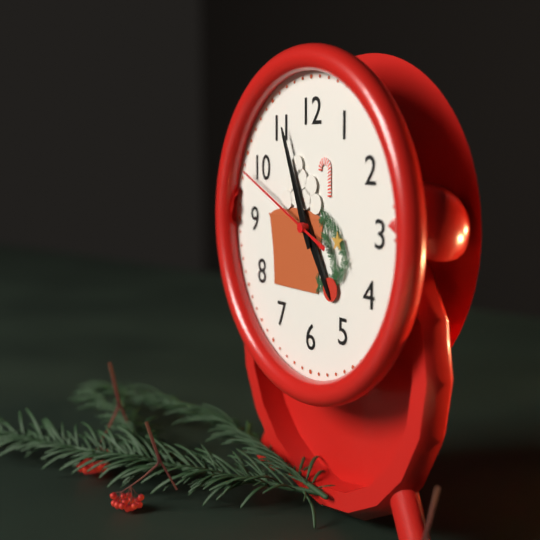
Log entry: 4:56:49
